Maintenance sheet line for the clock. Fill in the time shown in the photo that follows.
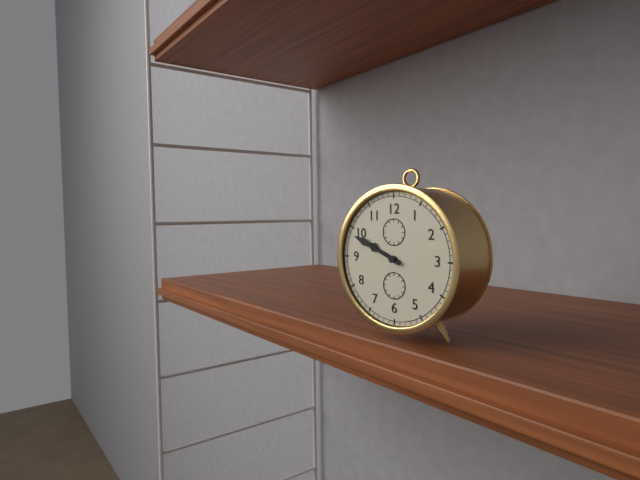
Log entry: 9:49
